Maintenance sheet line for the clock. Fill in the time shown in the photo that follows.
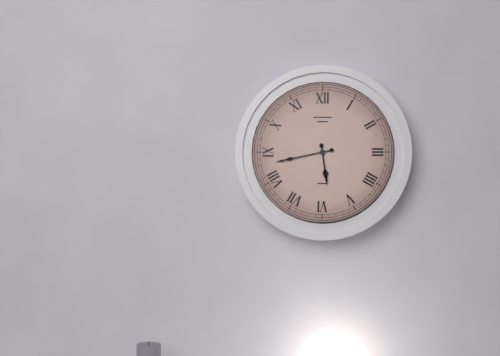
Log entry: 5:43
